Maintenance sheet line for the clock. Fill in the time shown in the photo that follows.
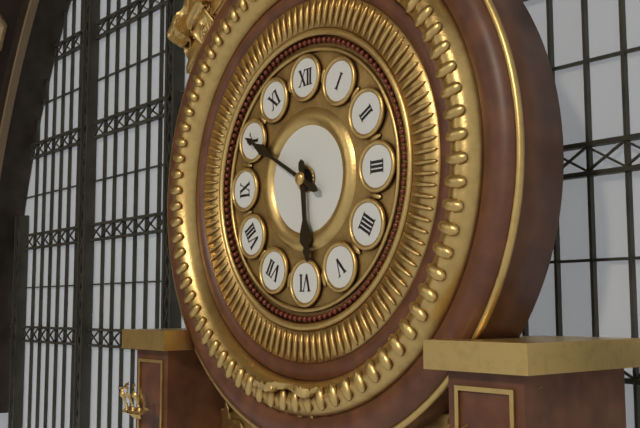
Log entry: 5:50
